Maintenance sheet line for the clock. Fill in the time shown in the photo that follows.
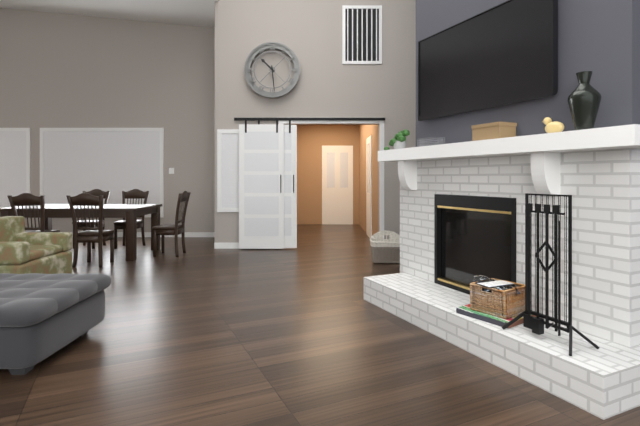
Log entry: 10:29
